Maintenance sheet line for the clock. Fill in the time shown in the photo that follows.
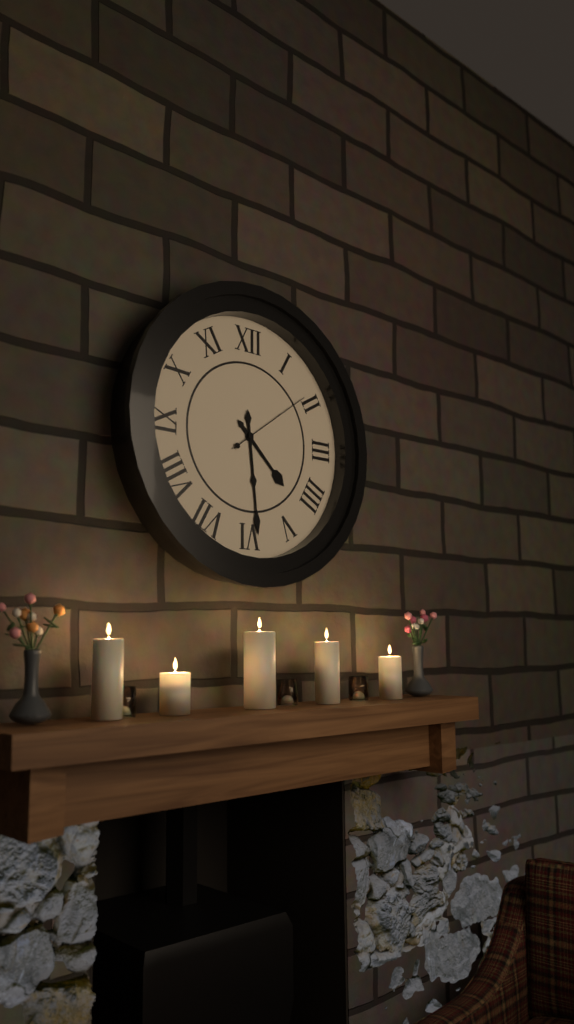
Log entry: 4:29:09
